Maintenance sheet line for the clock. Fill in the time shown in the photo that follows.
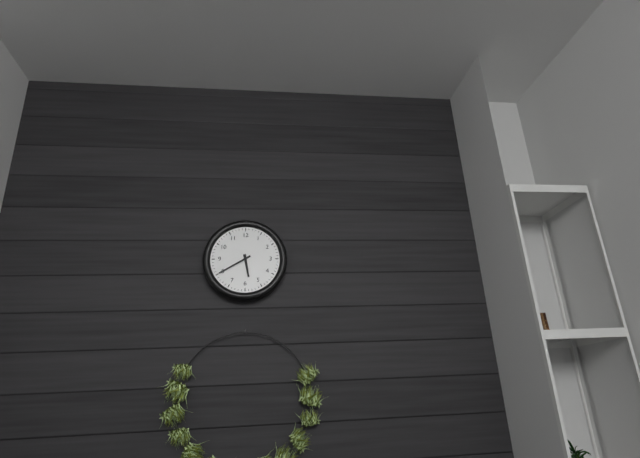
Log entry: 5:40
